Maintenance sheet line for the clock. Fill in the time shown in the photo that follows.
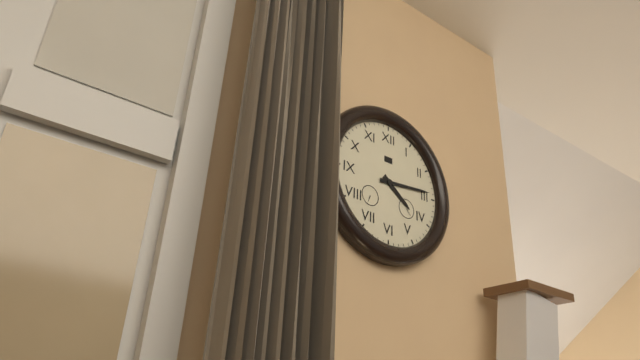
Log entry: 4:14
